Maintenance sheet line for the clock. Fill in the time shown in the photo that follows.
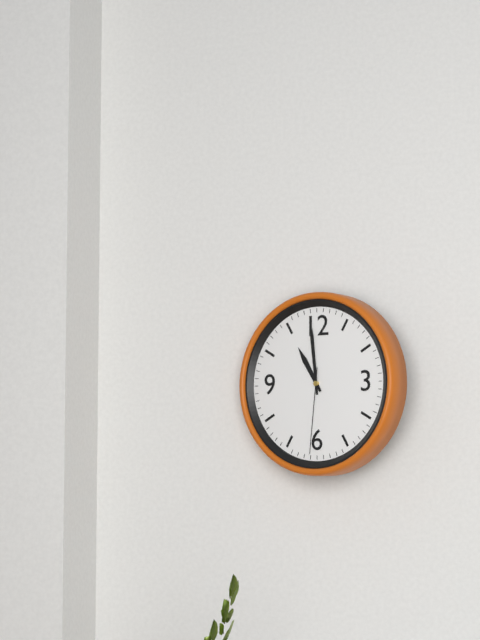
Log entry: 10:59:31
